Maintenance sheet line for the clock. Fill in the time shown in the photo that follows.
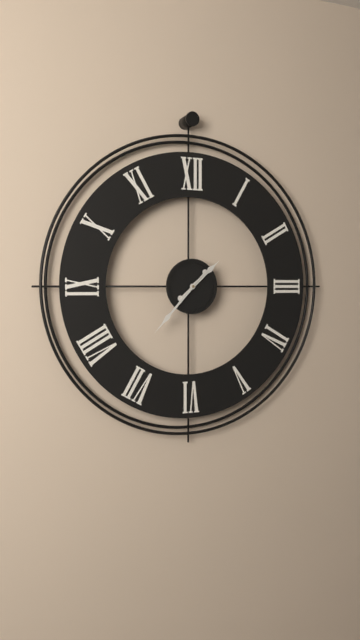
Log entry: 1:37
